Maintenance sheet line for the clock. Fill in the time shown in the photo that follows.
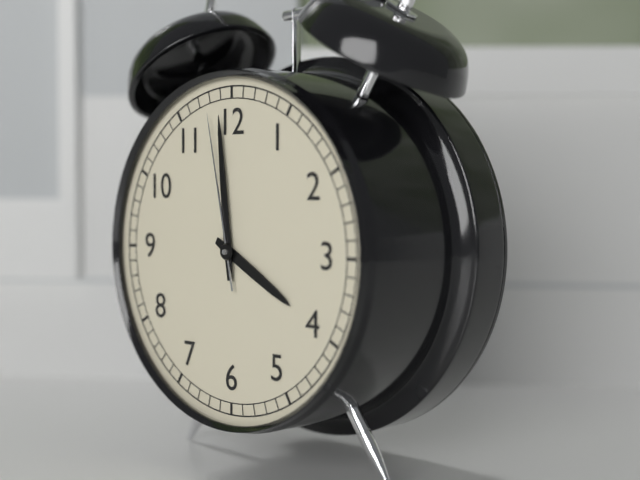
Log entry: 3:59:58
